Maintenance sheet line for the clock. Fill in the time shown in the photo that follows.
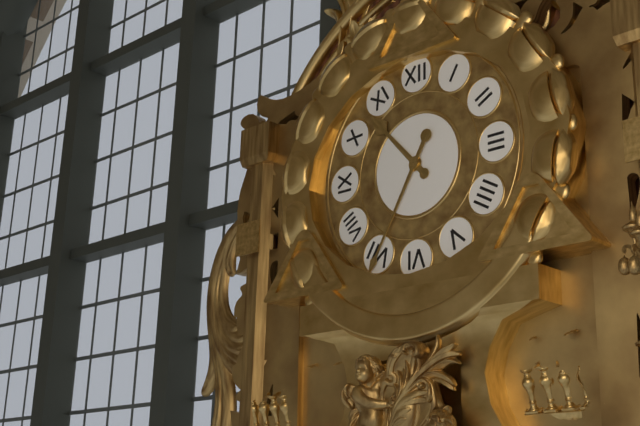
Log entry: 10:35
